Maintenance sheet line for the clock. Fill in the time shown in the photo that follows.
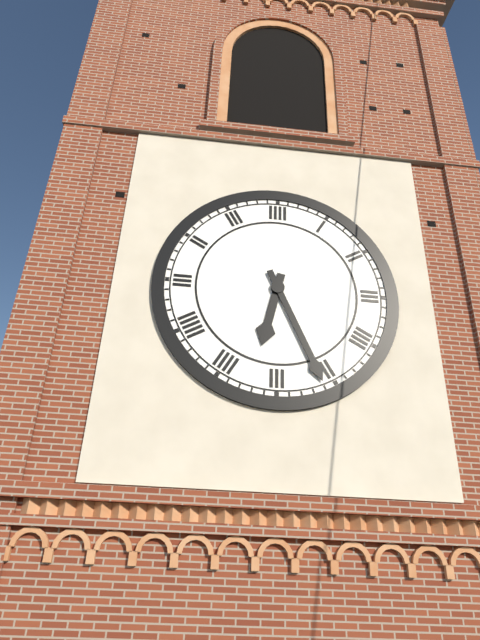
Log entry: 6:26
